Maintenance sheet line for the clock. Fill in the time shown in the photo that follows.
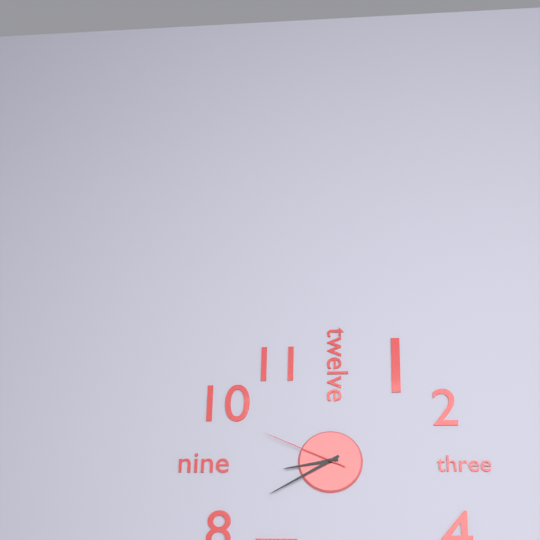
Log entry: 8:40:49
